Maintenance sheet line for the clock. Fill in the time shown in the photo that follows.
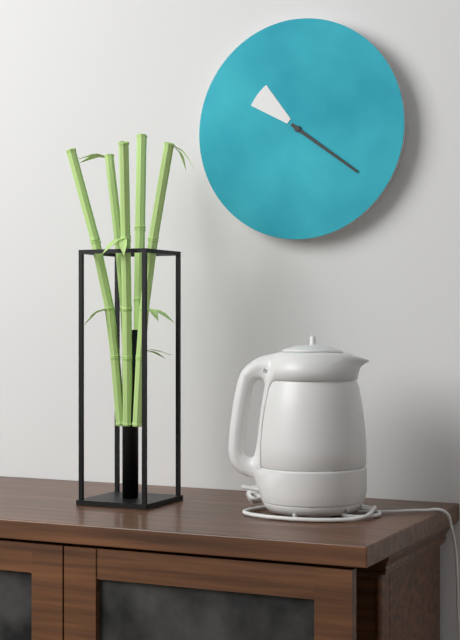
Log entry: 10:21
